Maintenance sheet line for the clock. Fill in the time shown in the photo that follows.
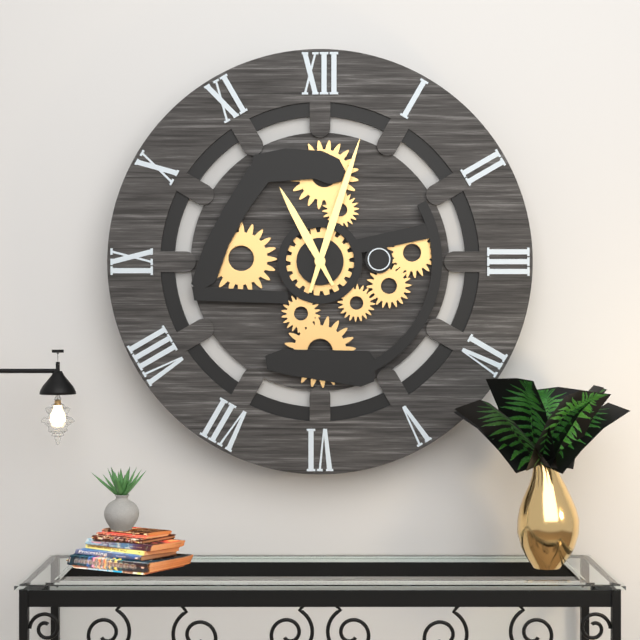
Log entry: 11:03
